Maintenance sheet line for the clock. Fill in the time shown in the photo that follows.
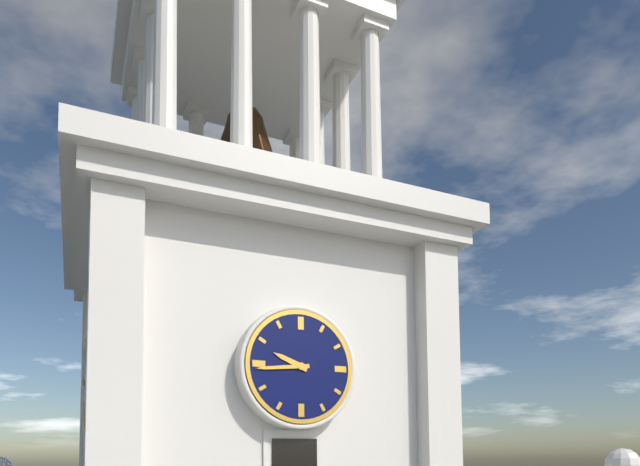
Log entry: 9:44
